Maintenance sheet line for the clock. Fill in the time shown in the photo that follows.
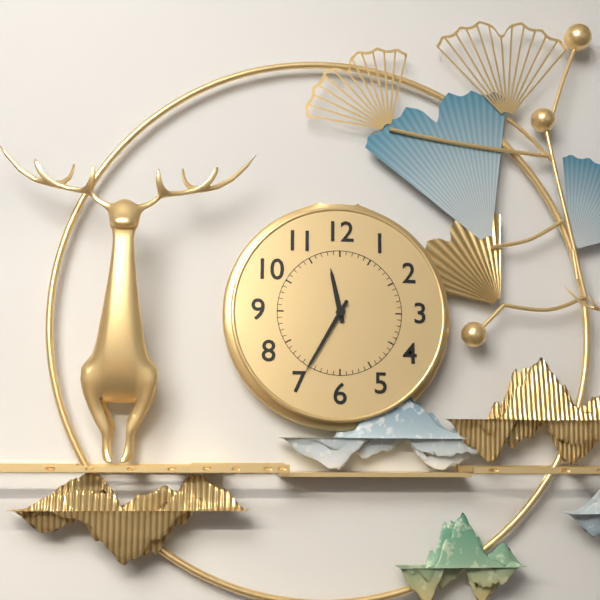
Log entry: 11:35
